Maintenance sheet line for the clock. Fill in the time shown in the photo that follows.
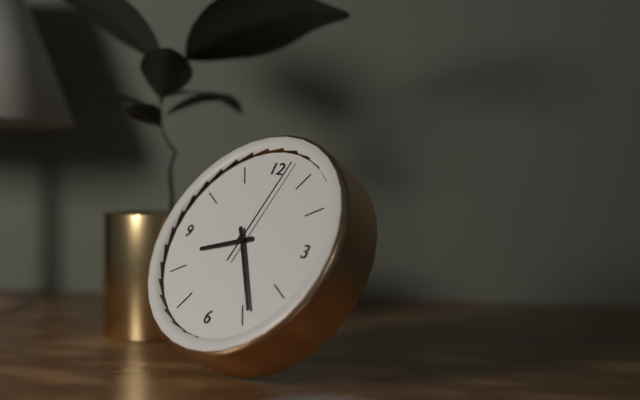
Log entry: 8:24:02
